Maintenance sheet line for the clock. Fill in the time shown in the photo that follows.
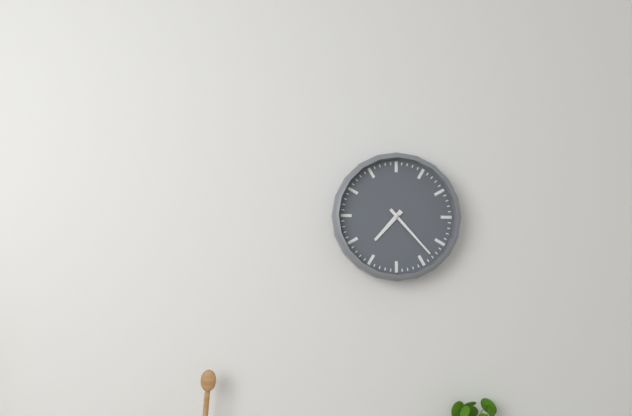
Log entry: 7:23
